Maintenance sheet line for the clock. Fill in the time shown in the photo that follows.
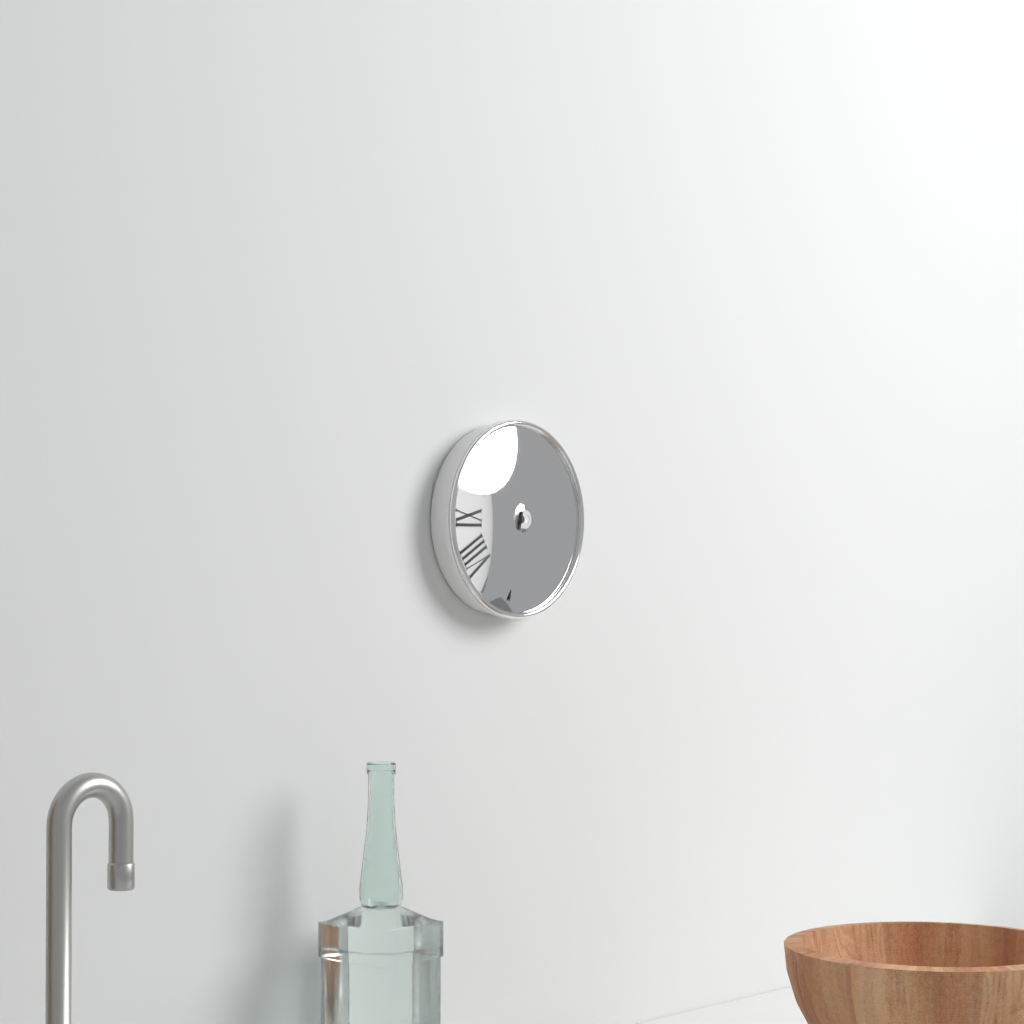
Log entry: 12:32
